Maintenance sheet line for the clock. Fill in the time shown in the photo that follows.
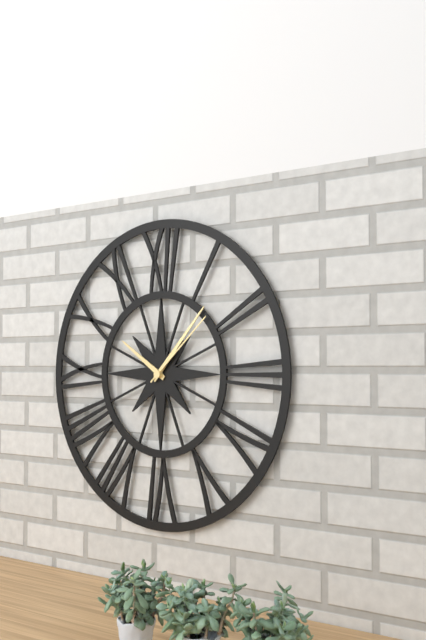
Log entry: 10:07:08
